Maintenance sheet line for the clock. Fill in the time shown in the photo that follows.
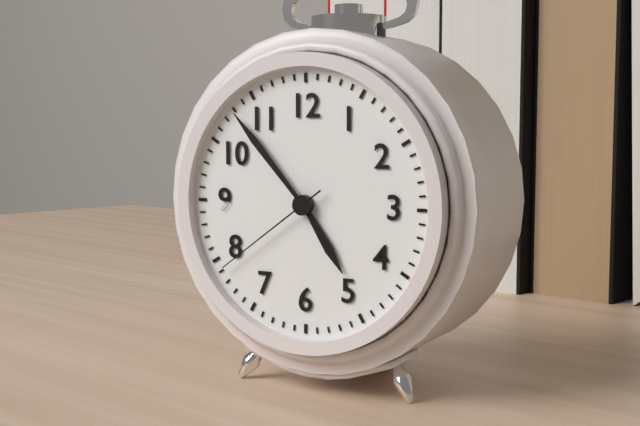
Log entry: 4:53:39
